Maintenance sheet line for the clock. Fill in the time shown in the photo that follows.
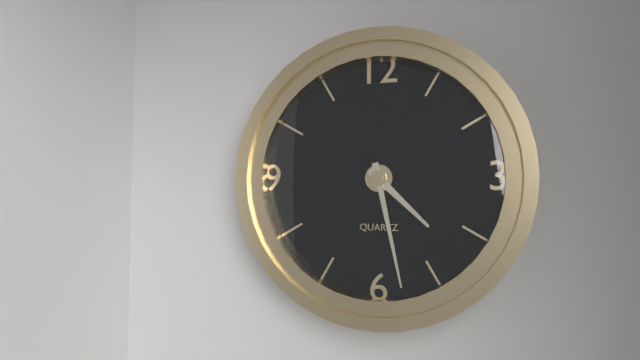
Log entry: 4:28
